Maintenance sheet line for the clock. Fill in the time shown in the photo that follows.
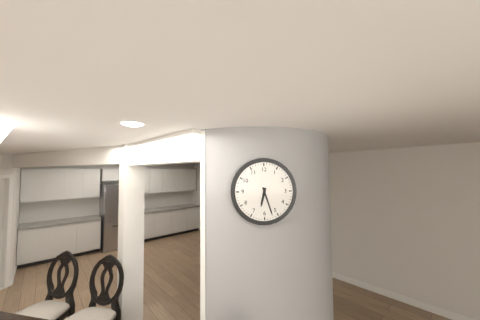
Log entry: 6:27
